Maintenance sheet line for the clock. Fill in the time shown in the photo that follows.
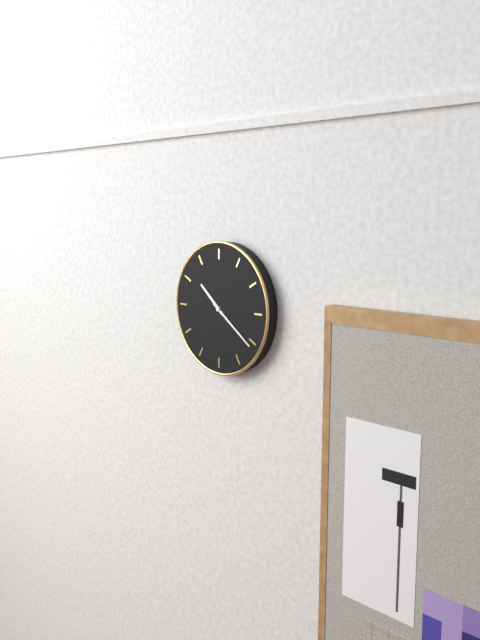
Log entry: 10:21
